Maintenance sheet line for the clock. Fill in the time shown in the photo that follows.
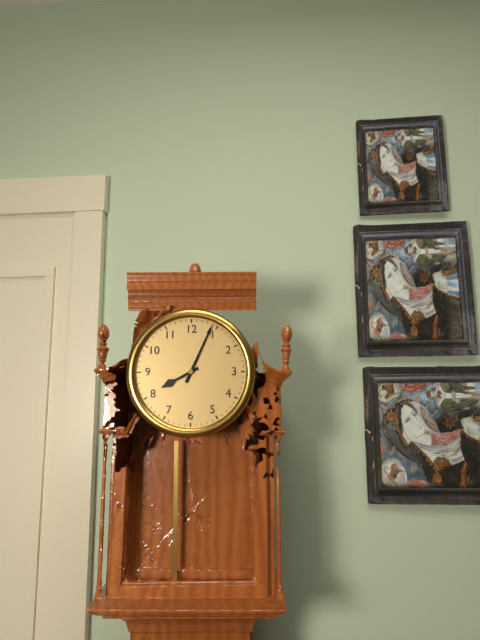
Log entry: 8:04
